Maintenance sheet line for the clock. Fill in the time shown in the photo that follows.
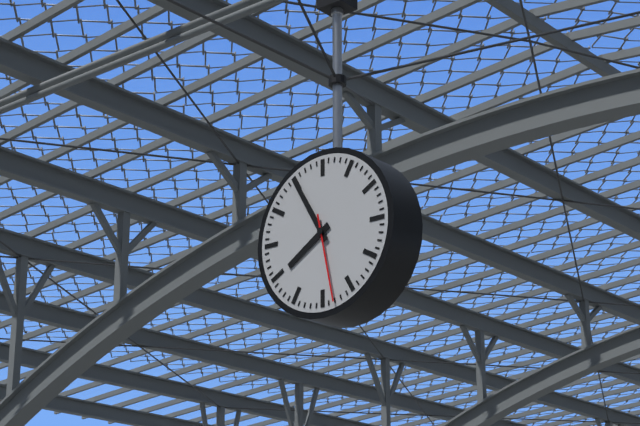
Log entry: 7:55:28
